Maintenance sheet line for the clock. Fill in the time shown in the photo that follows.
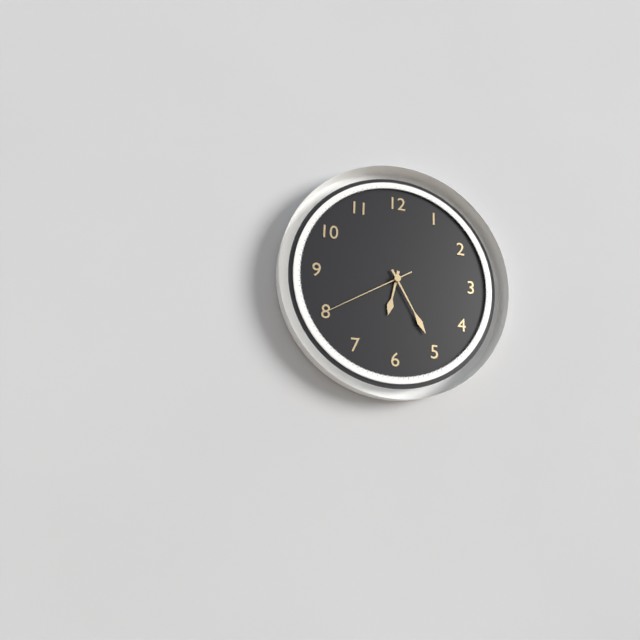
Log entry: 6:25:40
